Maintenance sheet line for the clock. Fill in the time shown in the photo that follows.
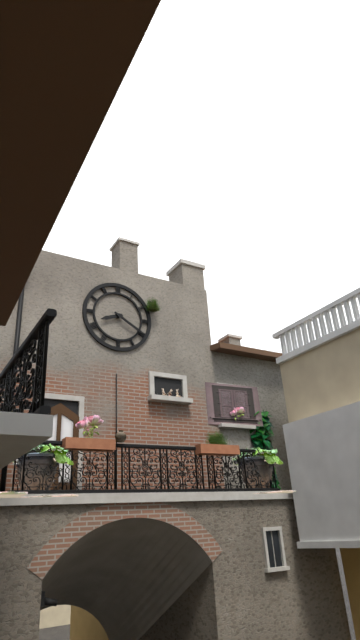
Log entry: 8:20
